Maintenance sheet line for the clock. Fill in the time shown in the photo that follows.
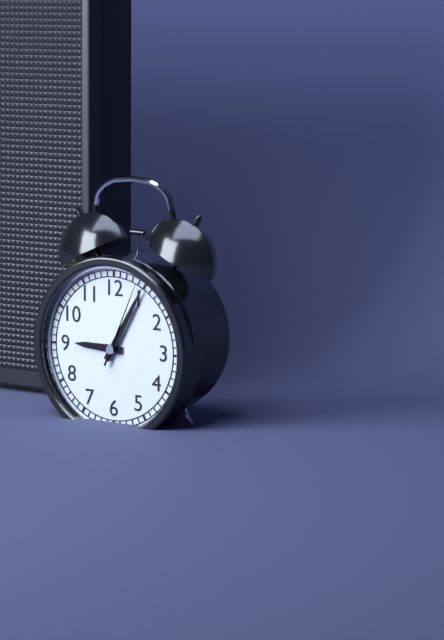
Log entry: 9:05:04
